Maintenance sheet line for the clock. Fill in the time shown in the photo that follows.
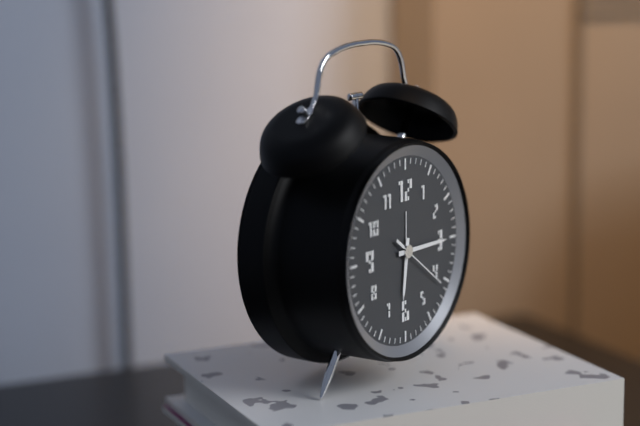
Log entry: 6:15:21
